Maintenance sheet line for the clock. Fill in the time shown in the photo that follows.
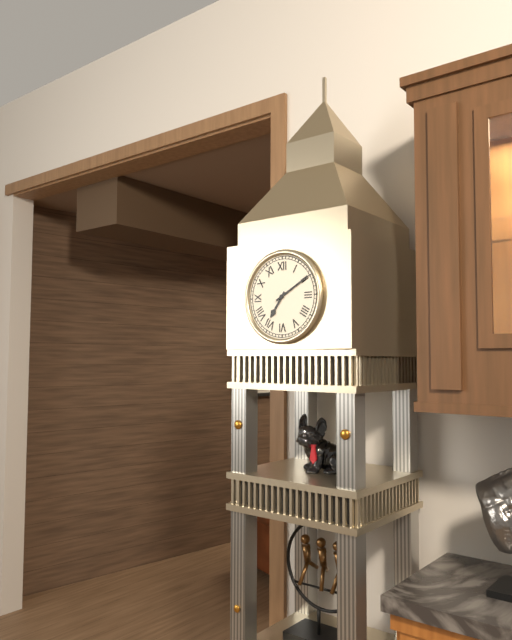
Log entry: 7:10
